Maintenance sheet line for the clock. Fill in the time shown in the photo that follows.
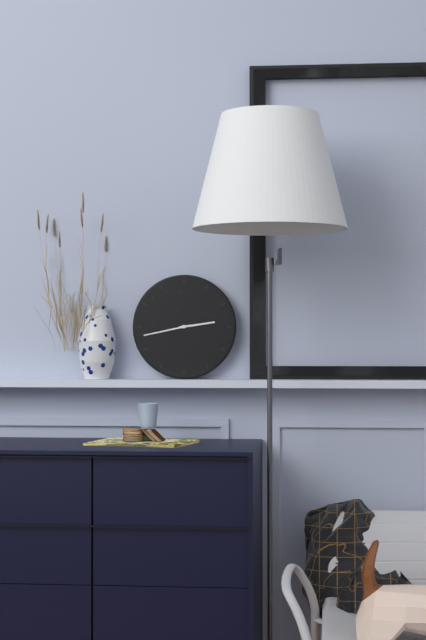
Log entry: 2:43
